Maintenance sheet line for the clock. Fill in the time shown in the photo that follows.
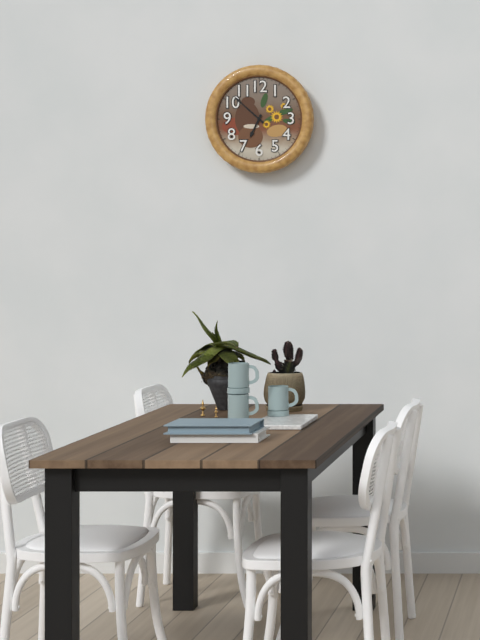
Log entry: 6:52
